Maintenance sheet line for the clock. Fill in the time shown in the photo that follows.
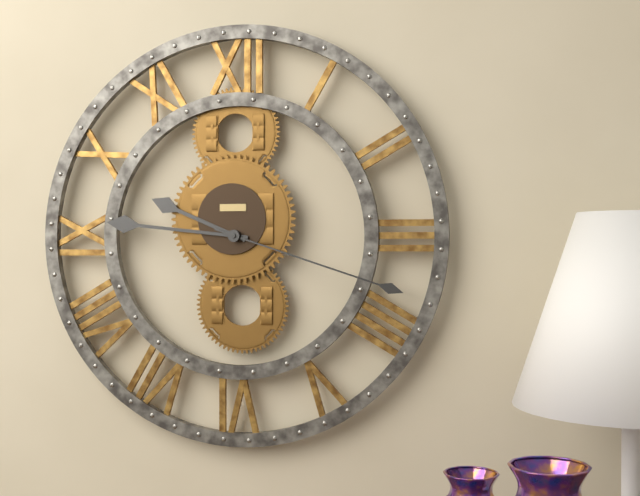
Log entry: 9:46:18
